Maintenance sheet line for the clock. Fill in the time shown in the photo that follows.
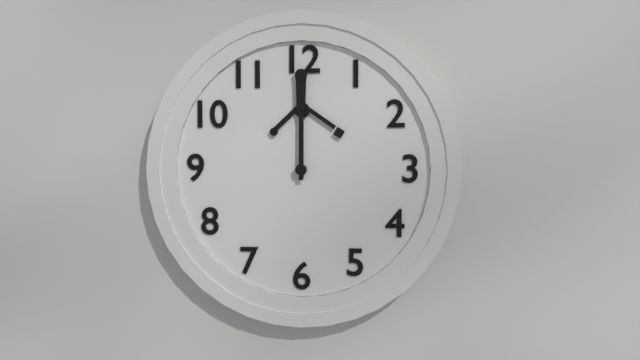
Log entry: 12:00
